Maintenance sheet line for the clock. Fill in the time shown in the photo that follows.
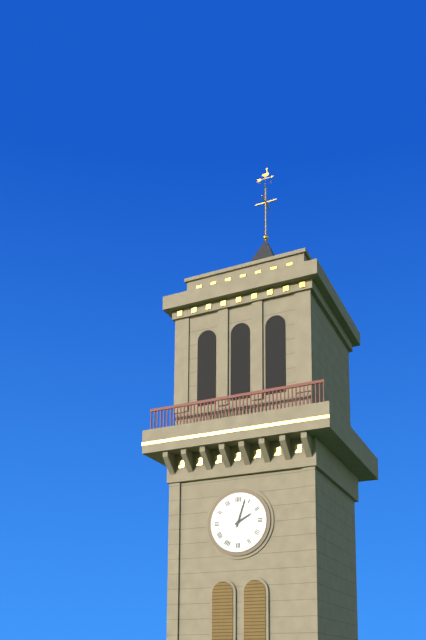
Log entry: 2:03
